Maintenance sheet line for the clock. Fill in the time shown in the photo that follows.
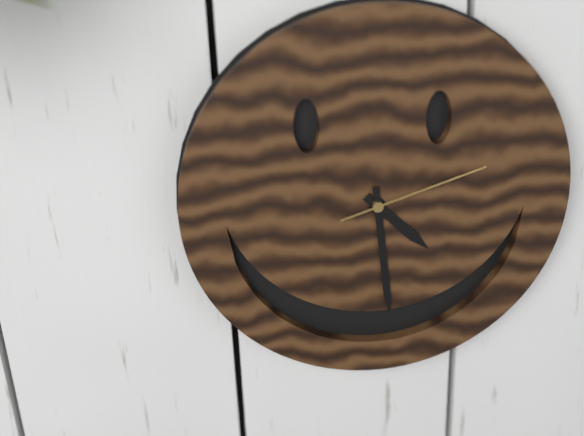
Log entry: 4:29:12
